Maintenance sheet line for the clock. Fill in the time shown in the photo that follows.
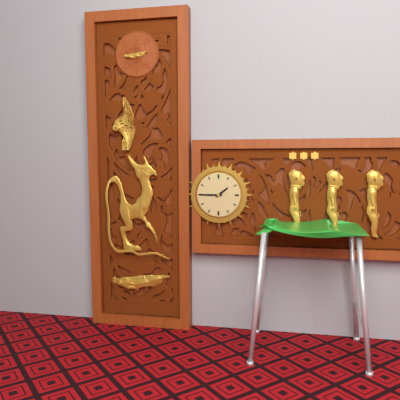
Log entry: 1:45
